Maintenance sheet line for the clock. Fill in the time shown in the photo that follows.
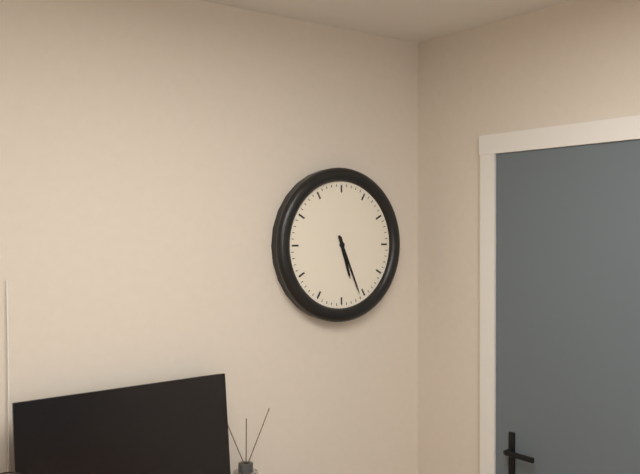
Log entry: 5:26
